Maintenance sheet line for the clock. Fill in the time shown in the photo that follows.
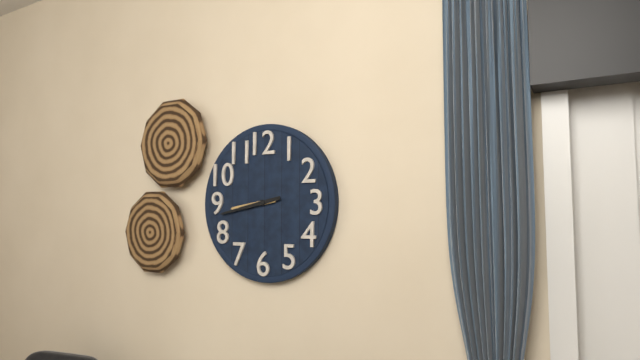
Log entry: 8:43
